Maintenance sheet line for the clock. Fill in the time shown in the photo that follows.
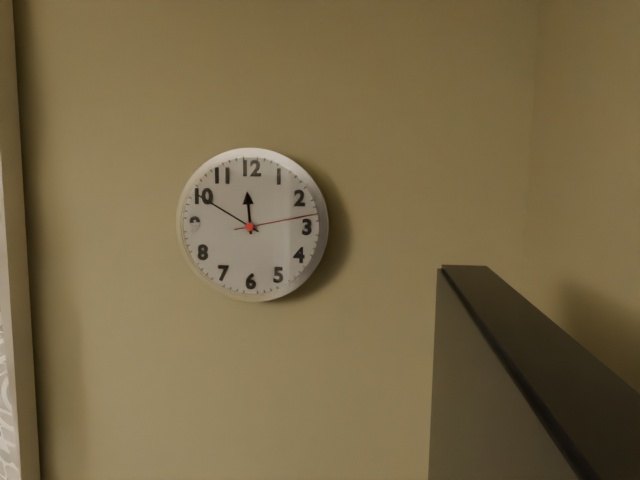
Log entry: 11:50:13
